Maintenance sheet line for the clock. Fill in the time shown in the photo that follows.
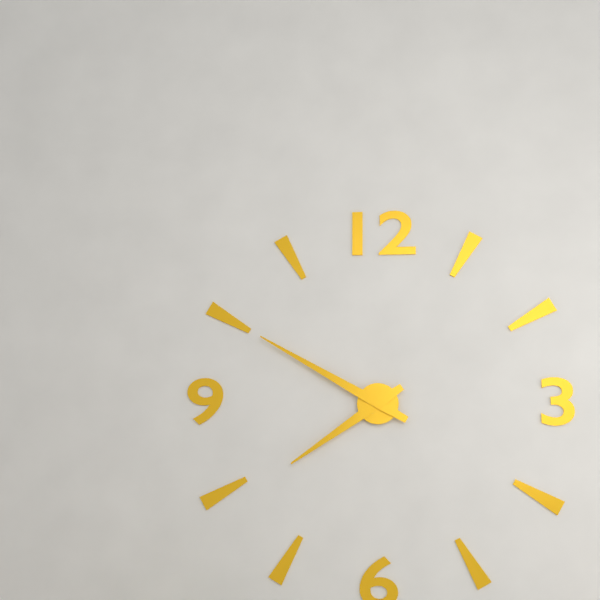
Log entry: 7:50
